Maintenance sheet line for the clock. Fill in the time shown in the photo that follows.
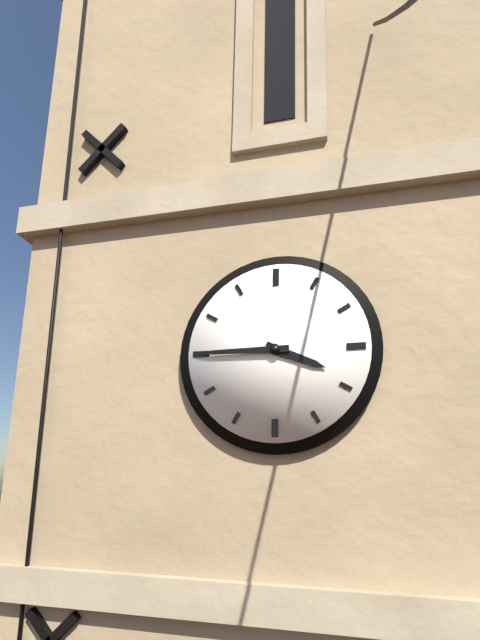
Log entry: 3:45
